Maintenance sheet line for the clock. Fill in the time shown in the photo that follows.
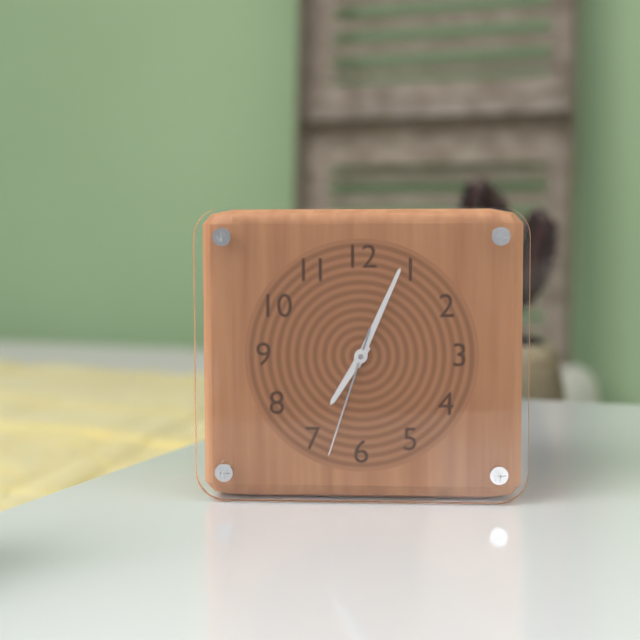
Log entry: 7:04:33
